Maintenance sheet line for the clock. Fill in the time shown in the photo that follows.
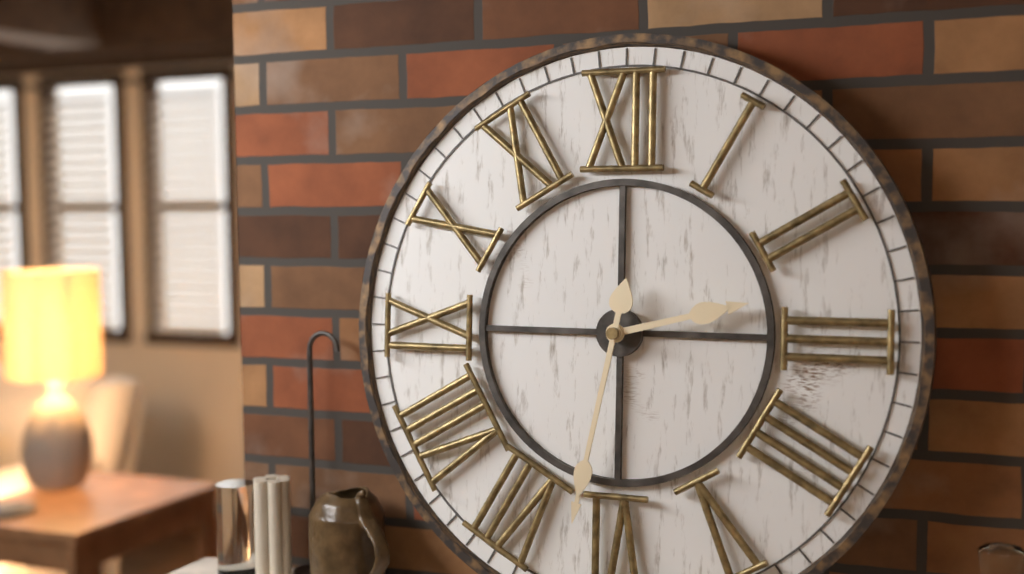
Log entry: 2:32
